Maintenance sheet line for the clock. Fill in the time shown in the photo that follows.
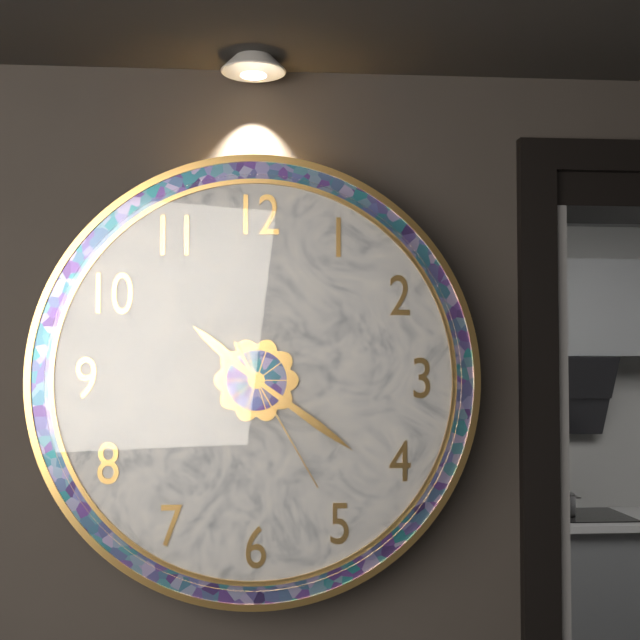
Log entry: 10:21:25
